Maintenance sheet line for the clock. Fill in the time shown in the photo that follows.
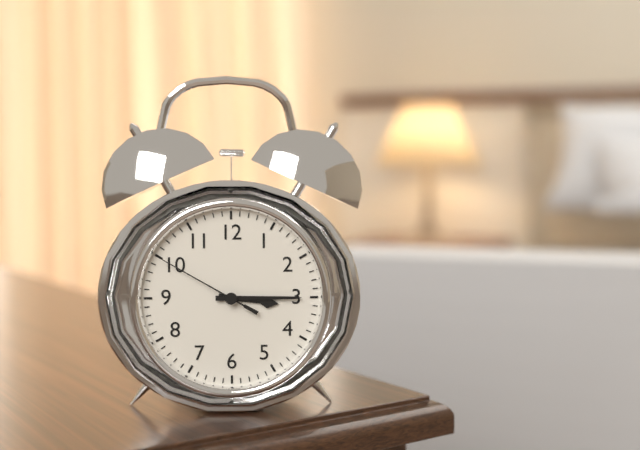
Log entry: 3:15:50
